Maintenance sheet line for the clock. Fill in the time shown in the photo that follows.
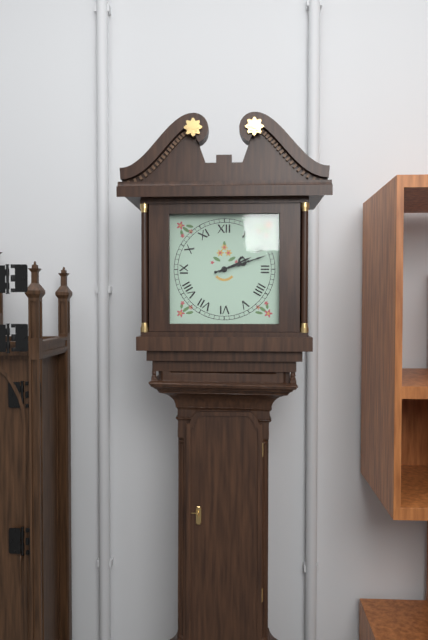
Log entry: 2:12
